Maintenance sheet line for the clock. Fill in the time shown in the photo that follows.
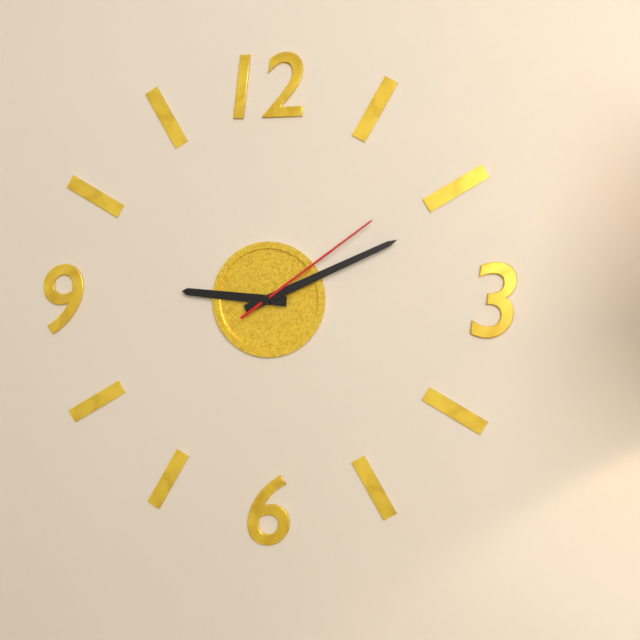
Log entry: 9:11:09
